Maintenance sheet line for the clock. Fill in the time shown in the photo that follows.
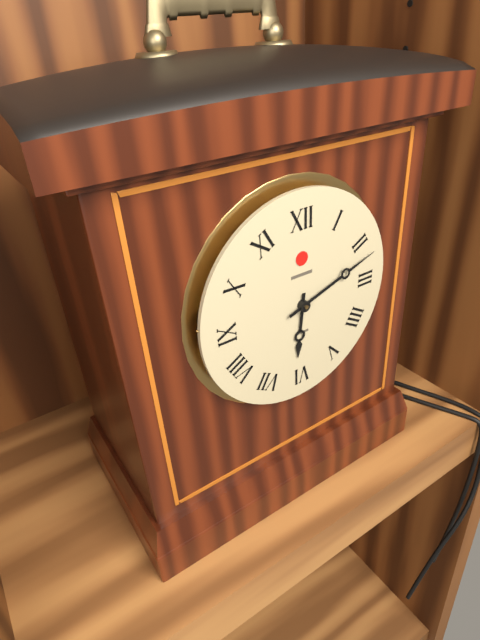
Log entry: 6:12
